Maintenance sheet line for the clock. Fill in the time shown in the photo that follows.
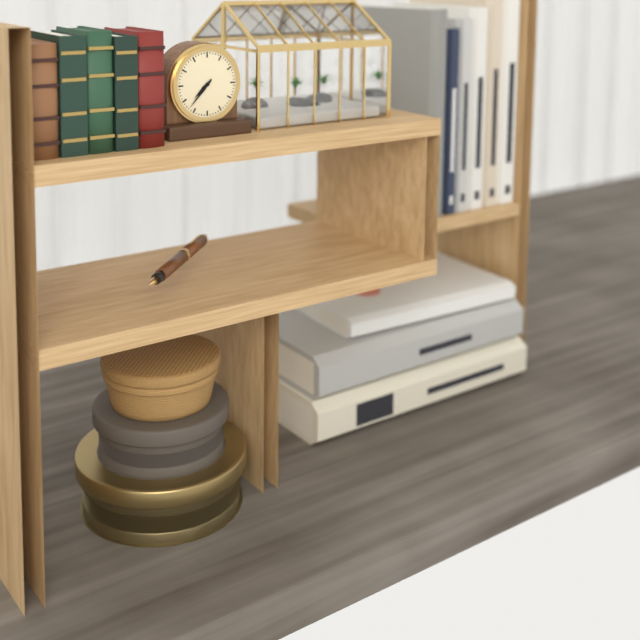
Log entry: 7:37
